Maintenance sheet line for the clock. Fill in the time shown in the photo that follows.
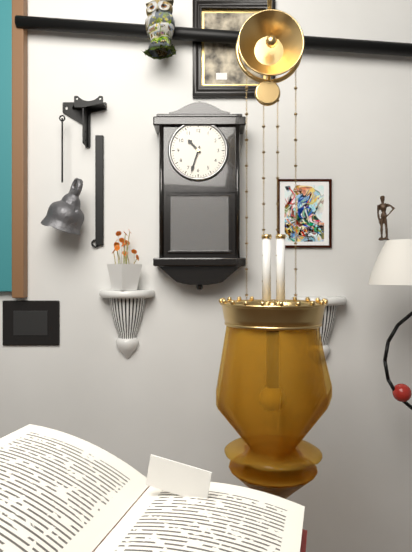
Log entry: 10:33
